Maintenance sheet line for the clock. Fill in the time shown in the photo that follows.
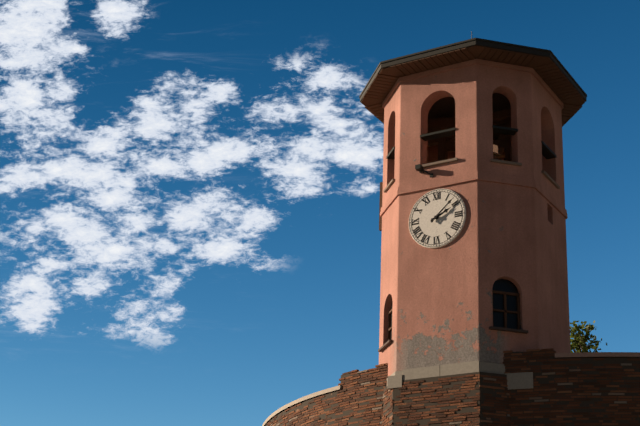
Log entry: 2:08
